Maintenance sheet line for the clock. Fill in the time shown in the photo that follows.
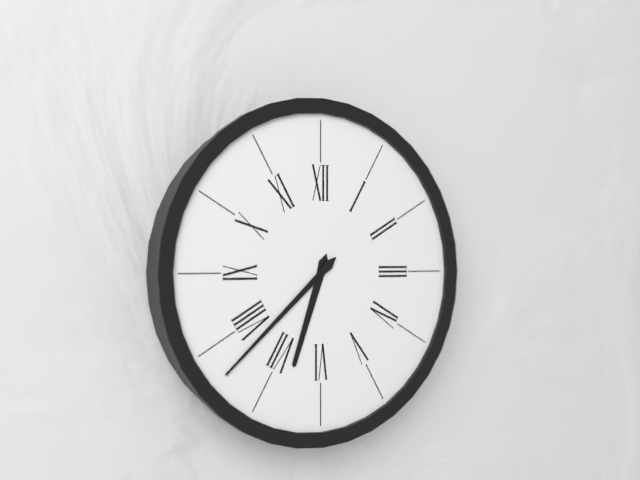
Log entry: 6:38
